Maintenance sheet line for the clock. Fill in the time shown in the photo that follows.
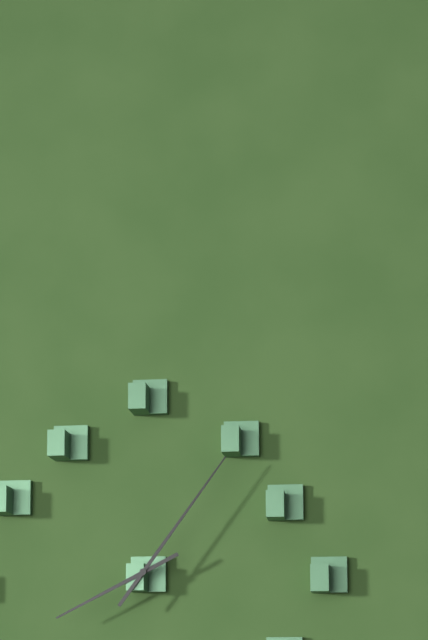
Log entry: 8:06
